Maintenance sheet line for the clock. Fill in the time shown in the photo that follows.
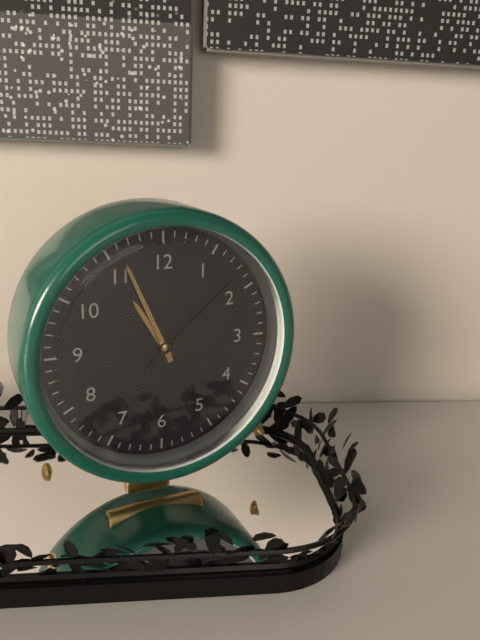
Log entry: 10:56:08
